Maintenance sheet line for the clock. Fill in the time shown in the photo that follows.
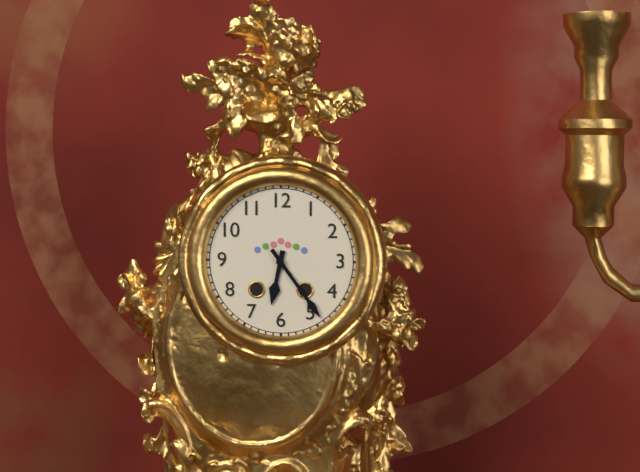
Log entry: 6:24
